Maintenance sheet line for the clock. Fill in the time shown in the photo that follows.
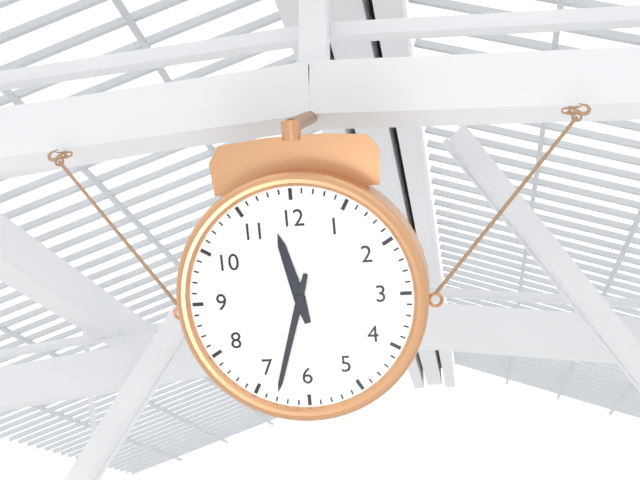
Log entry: 11:33
